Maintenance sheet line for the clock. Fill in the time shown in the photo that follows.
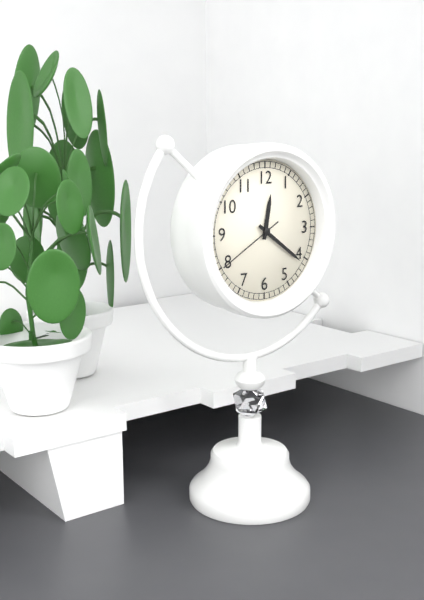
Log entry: 12:21:40
